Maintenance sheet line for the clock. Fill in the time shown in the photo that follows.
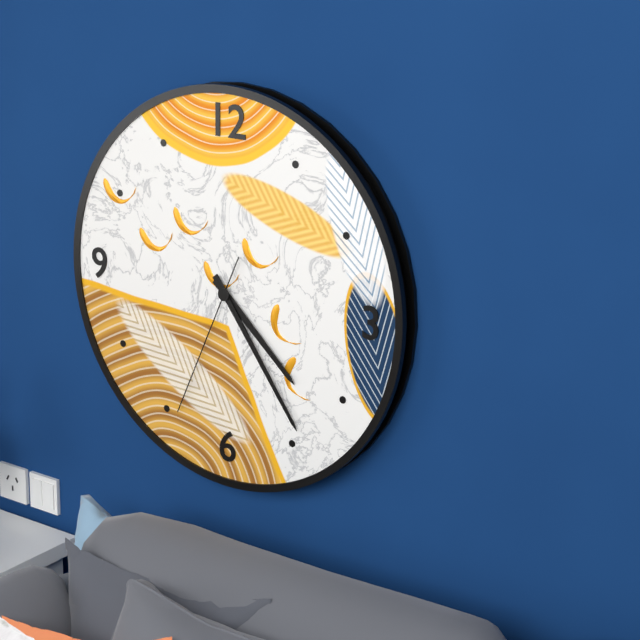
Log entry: 4:24:34
